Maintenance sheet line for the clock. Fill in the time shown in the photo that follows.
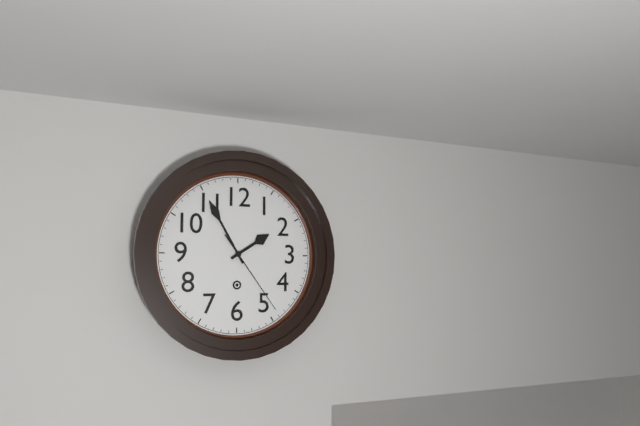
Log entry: 1:55:24
